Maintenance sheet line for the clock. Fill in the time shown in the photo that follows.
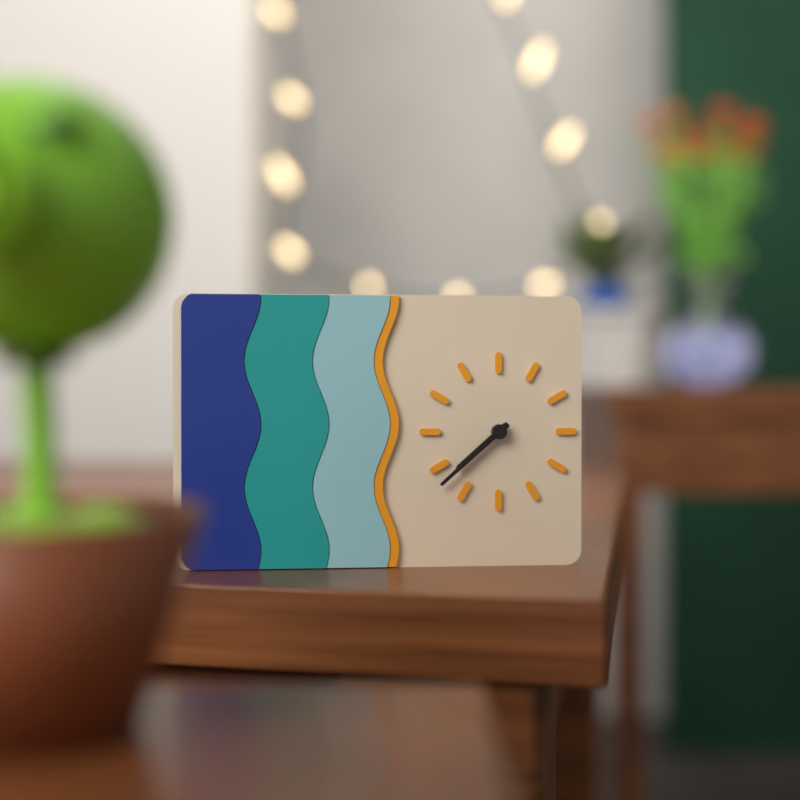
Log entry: 7:38
